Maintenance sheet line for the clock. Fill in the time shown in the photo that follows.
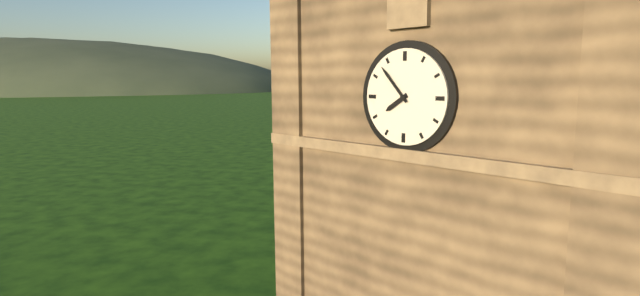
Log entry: 7:53
